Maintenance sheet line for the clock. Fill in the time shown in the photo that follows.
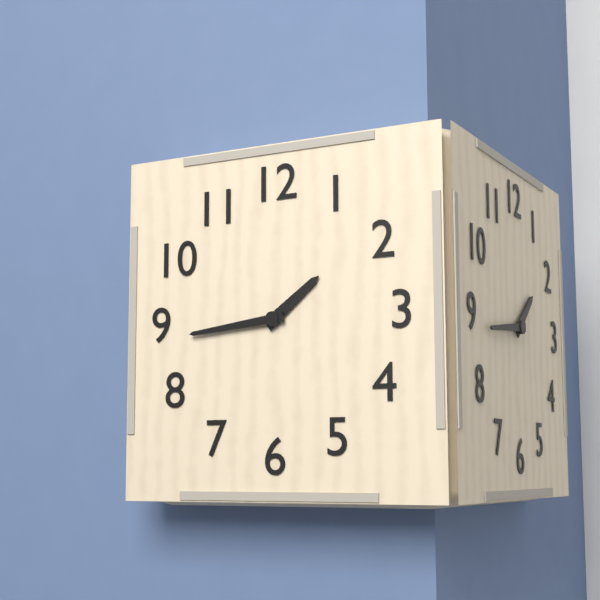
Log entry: 1:44
